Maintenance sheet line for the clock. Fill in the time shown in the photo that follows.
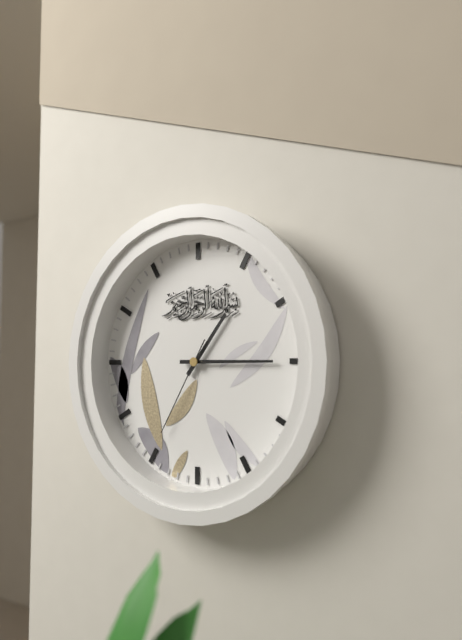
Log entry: 1:15:35
